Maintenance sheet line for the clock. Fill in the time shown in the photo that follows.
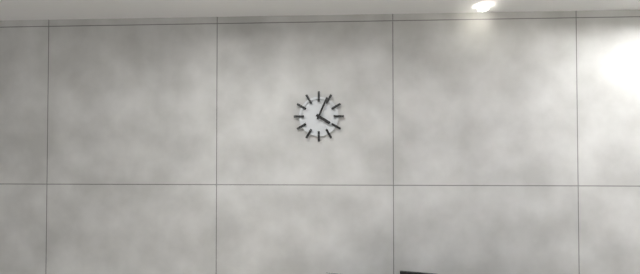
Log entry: 4:04
